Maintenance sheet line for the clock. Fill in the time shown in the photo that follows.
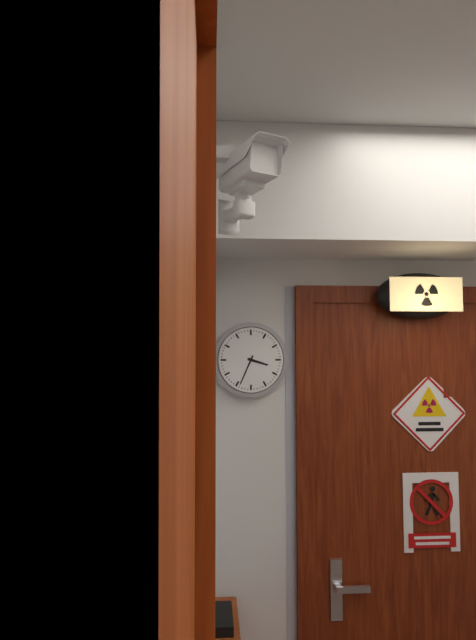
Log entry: 3:34
